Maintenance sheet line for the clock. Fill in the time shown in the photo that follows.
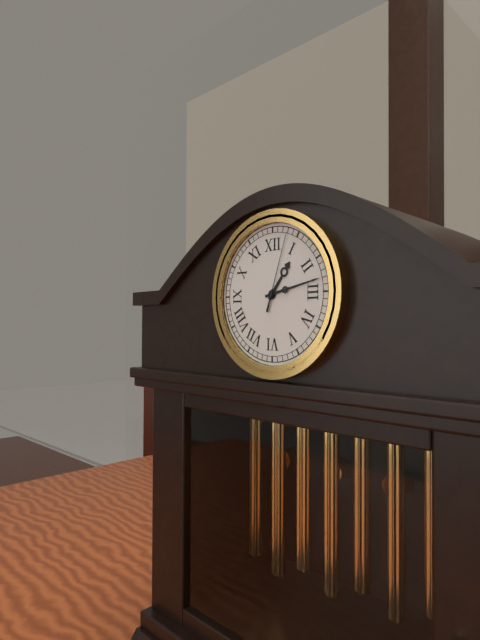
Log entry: 1:13:03
